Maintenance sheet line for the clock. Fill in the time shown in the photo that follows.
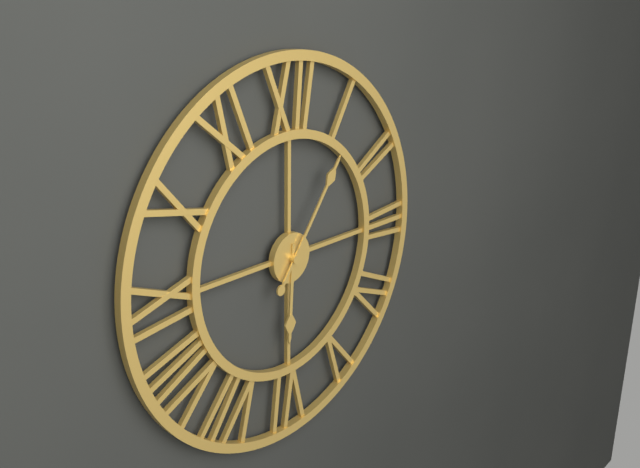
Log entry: 6:06
